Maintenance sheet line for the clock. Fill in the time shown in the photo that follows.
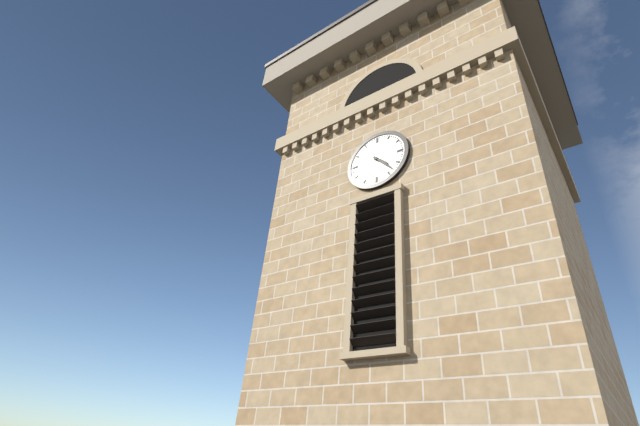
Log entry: 4:23
